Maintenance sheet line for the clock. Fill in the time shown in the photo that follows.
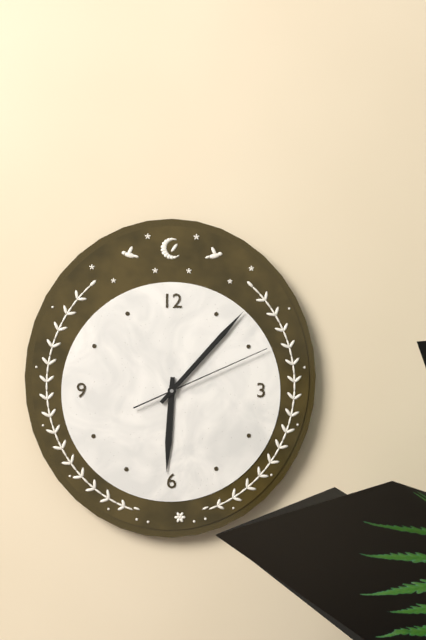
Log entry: 6:07:11
